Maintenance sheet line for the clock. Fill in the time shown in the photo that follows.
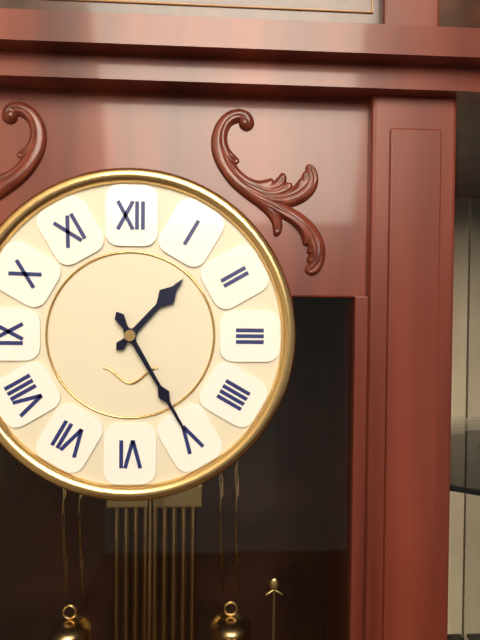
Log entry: 1:25
